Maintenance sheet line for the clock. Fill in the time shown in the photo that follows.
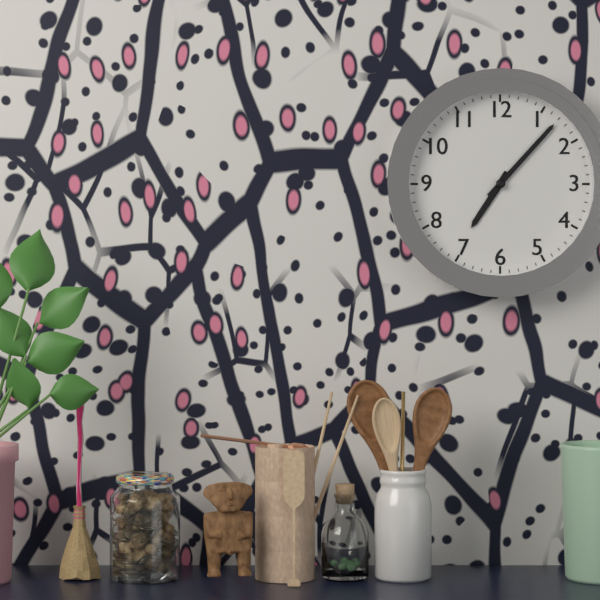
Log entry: 7:07
